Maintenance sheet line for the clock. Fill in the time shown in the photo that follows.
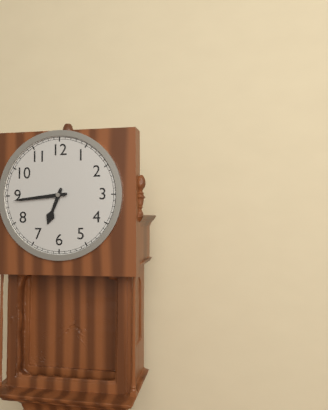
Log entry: 6:44
